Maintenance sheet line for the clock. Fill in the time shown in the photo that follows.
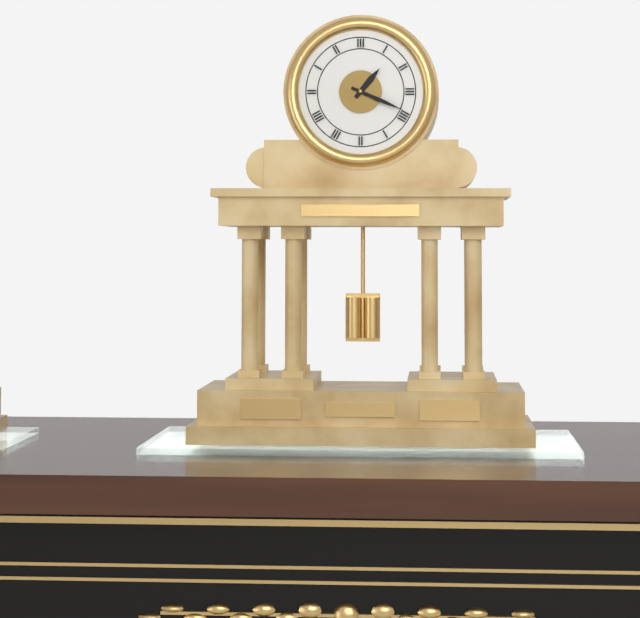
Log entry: 1:19
